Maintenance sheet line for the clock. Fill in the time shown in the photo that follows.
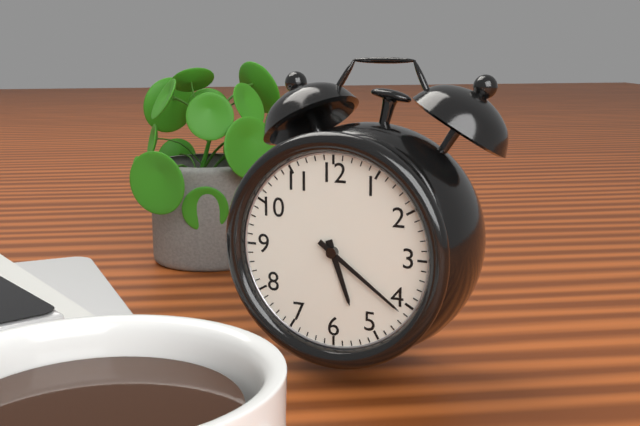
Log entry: 5:21
